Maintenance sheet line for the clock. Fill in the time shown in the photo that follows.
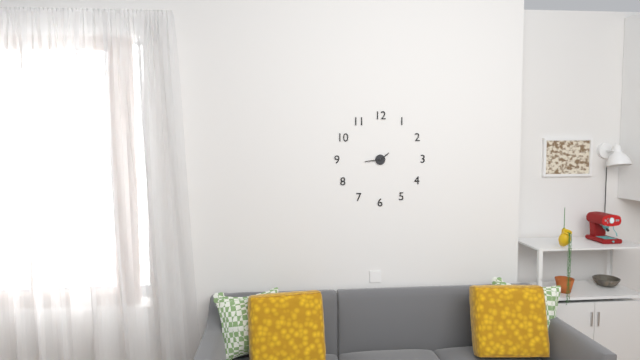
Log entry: 1:44
